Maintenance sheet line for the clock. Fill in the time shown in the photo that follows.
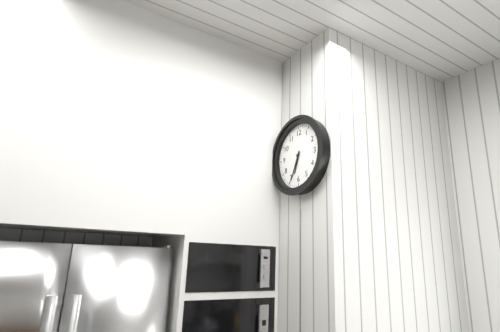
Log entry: 6:34
